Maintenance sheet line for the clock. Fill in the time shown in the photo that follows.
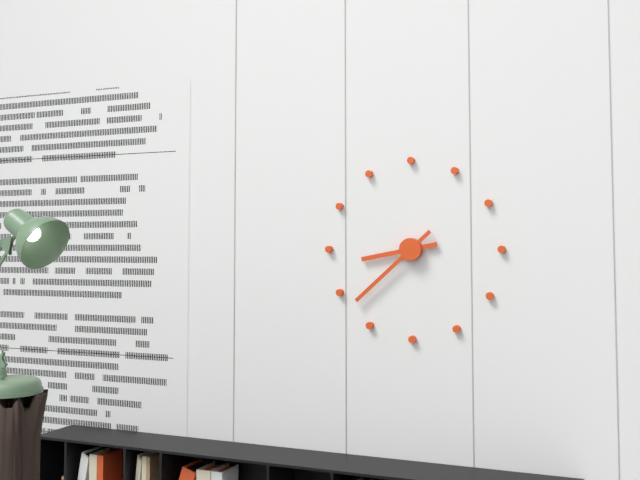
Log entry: 8:38
